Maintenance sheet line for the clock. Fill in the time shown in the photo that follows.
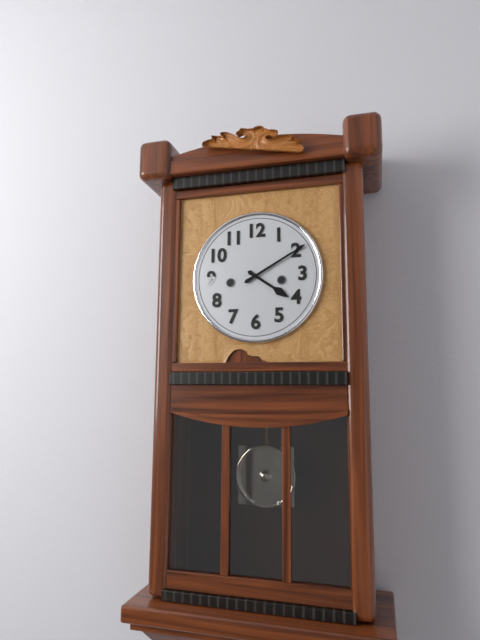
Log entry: 4:10
